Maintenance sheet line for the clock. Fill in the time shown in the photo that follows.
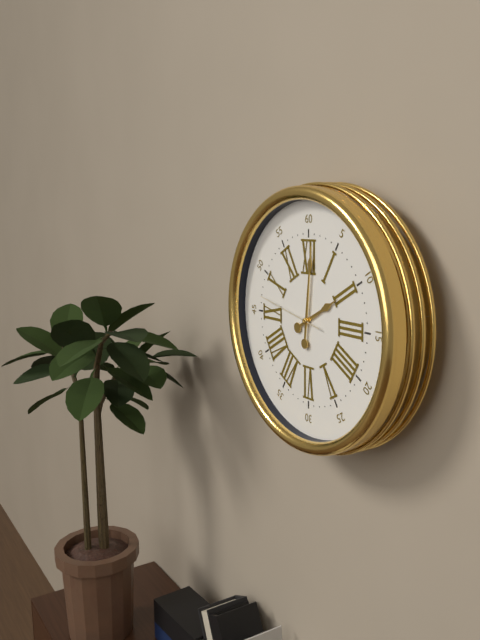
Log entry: 2:01:47
